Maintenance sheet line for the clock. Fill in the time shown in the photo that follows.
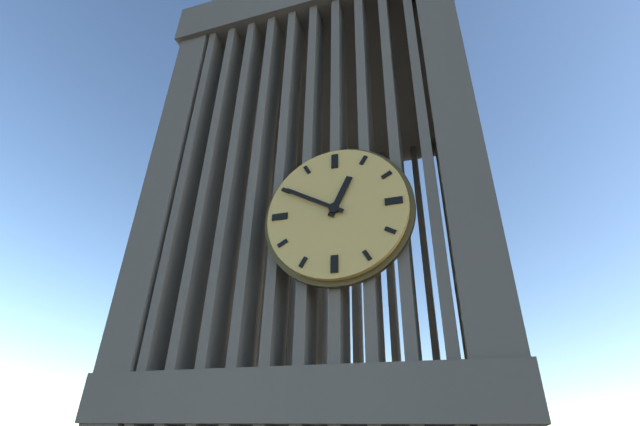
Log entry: 12:50
